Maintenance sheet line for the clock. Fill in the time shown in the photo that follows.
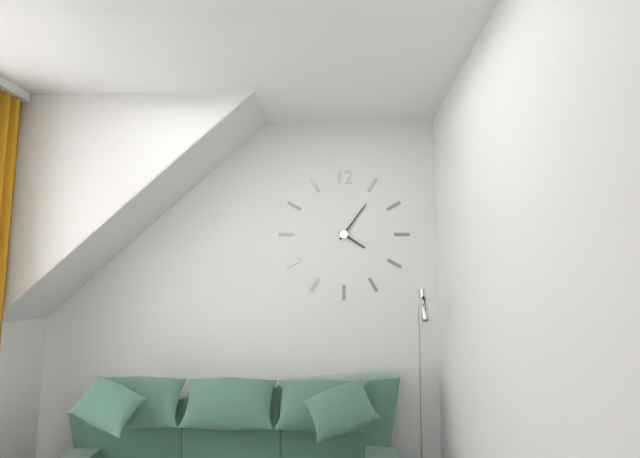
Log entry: 4:06
